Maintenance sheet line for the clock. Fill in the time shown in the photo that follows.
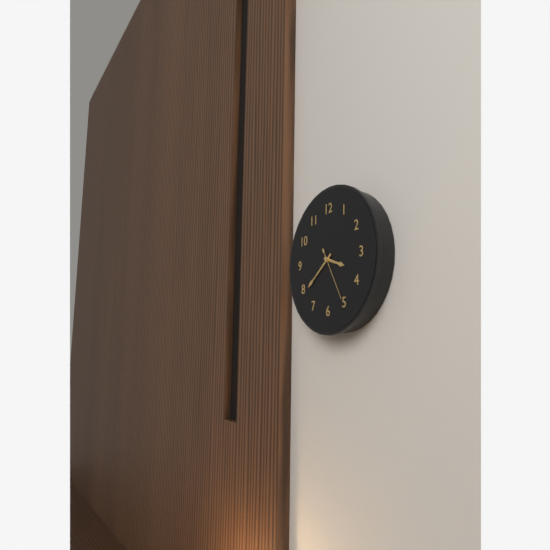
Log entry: 3:39:25
